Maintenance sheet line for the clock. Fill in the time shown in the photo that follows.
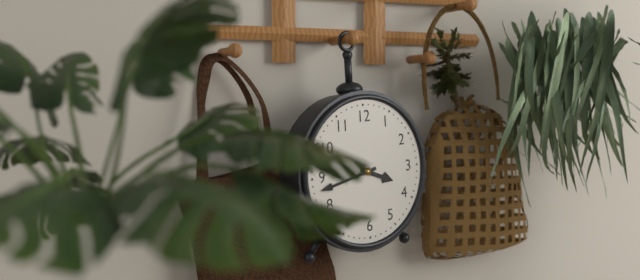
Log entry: 3:43
